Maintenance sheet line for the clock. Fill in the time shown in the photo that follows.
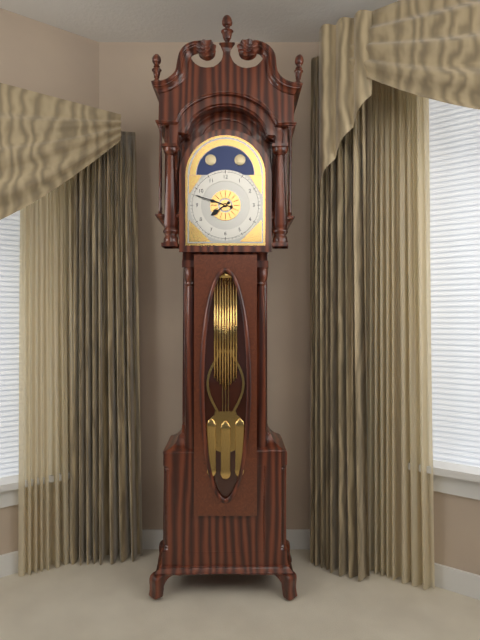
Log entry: 7:48
